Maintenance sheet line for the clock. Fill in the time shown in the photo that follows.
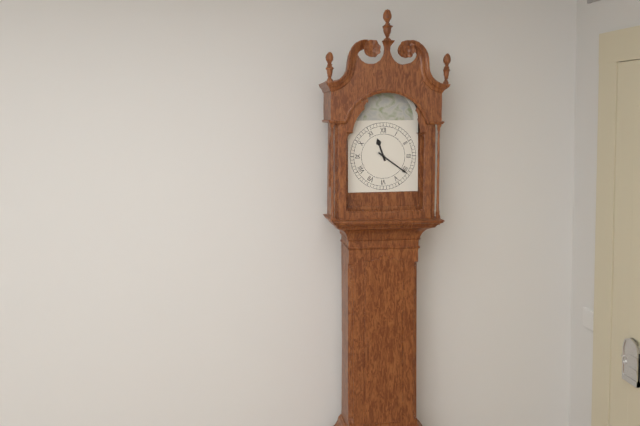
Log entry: 11:21
